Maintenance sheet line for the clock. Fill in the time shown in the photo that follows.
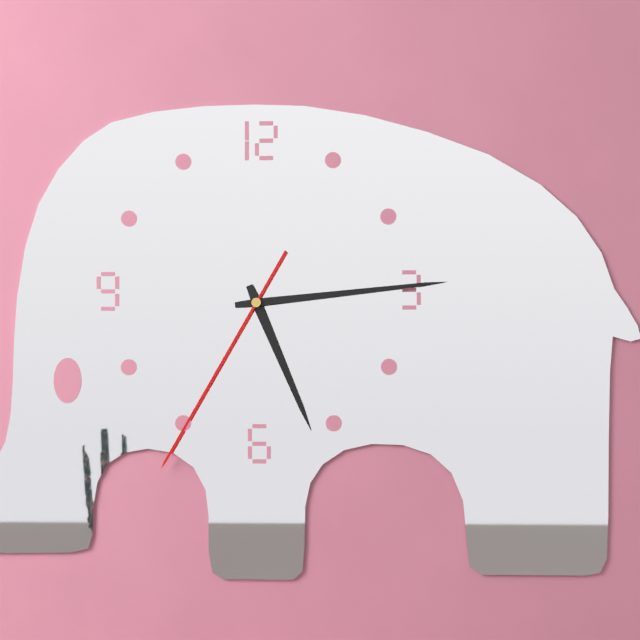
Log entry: 5:14:35
